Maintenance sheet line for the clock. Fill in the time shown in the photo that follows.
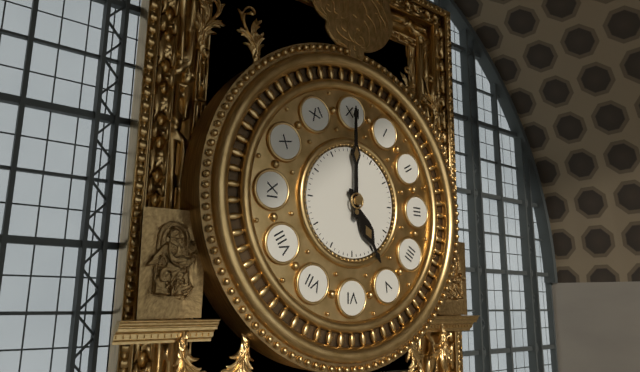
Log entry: 5:00
